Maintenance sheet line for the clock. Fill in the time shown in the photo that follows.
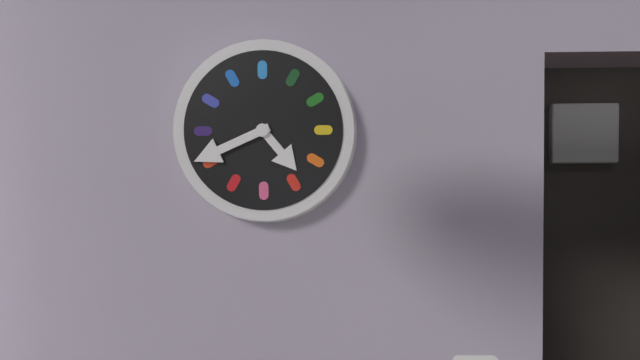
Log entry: 4:41
